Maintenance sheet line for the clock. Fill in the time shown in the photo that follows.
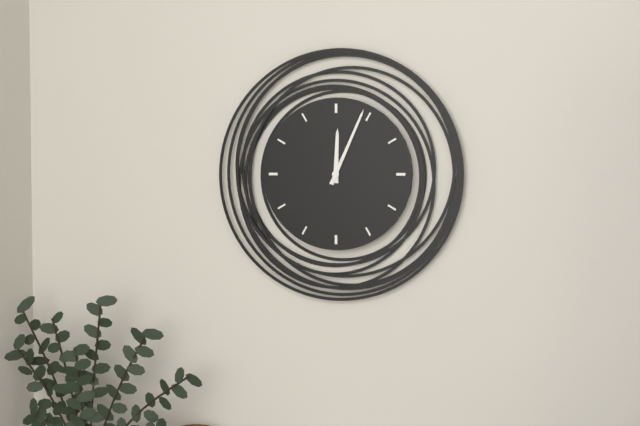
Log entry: 12:04
